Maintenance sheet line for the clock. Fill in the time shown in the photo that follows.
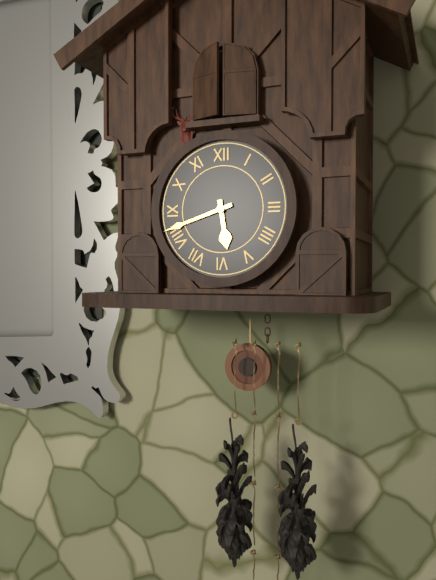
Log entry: 5:42
